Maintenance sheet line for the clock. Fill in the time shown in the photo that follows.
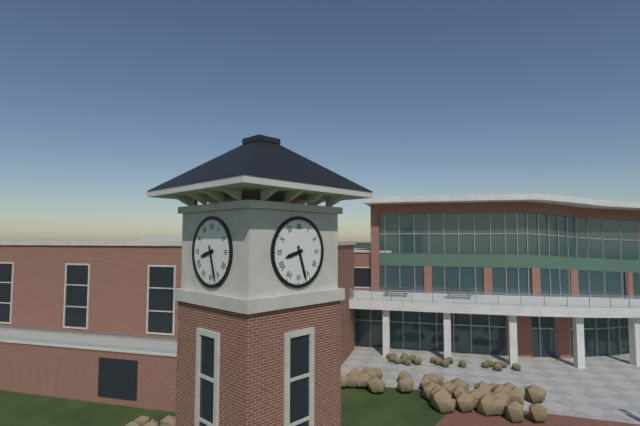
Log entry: 8:27
